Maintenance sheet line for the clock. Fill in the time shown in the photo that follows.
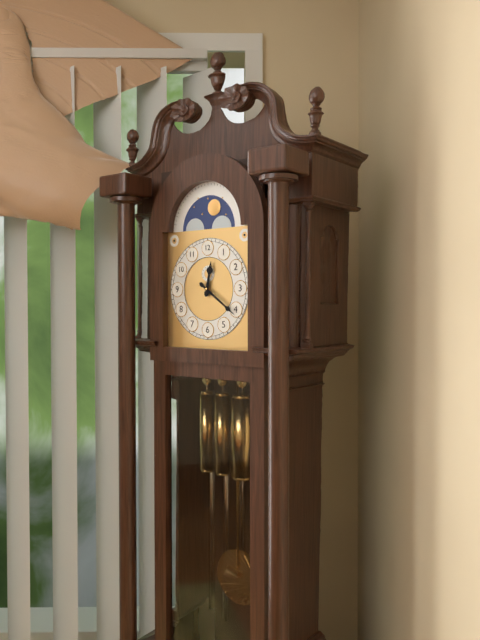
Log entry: 12:21
